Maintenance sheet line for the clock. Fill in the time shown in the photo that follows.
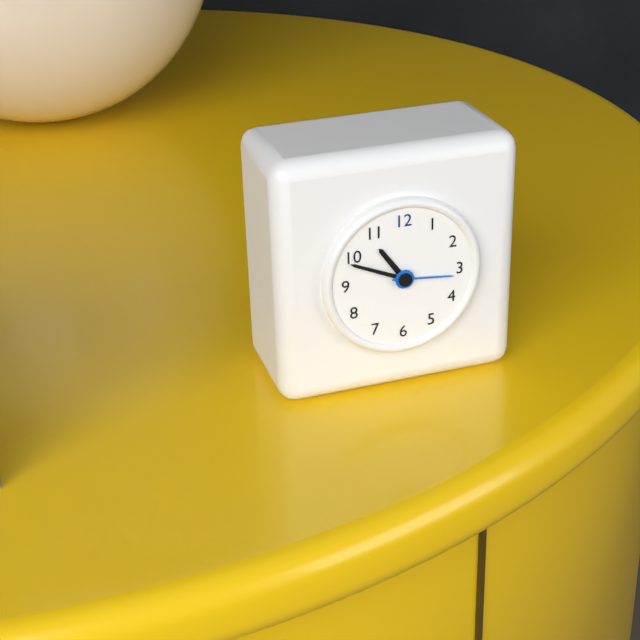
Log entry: 10:49:16
